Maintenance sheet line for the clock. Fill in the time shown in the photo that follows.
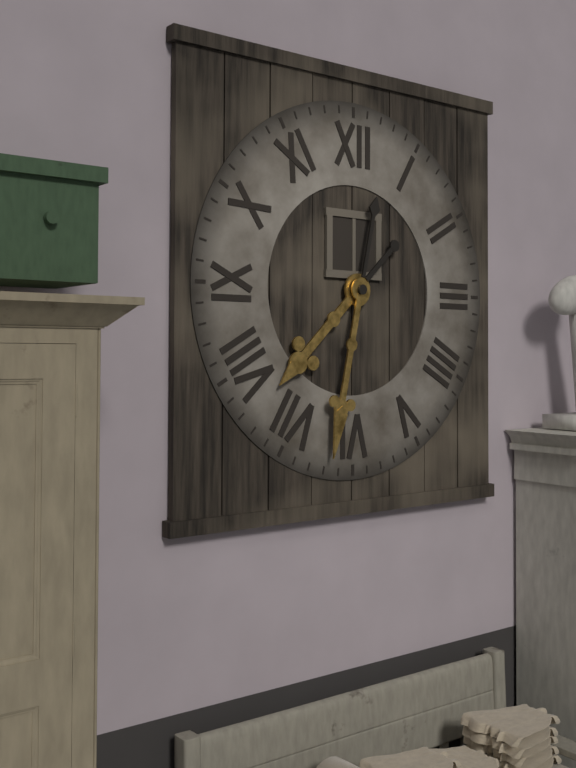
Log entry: 7:32
